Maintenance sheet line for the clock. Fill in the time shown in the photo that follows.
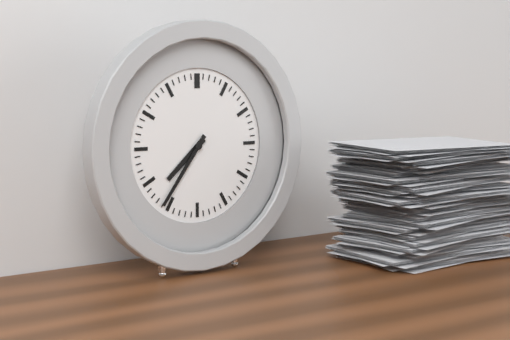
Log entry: 7:36
